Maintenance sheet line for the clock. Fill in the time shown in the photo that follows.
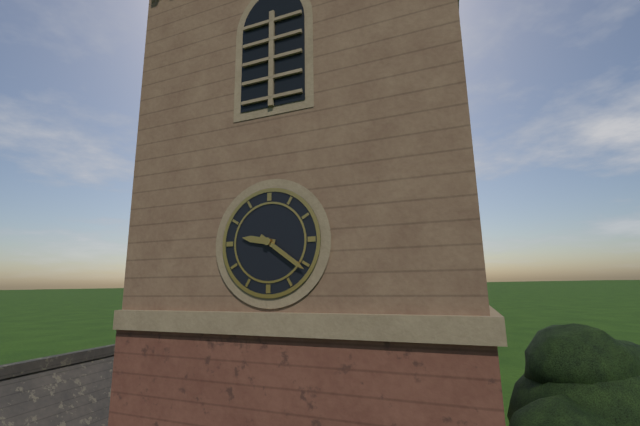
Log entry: 9:21
